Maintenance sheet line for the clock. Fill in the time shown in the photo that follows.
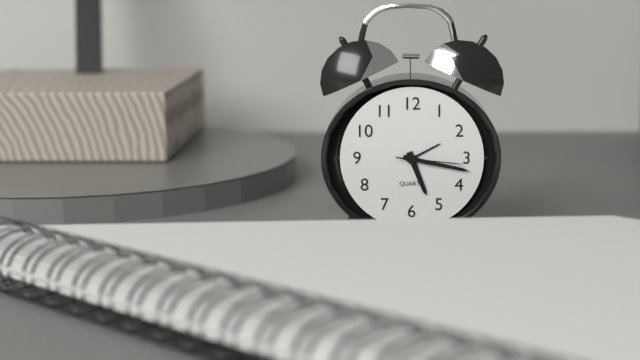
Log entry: 5:17:16
